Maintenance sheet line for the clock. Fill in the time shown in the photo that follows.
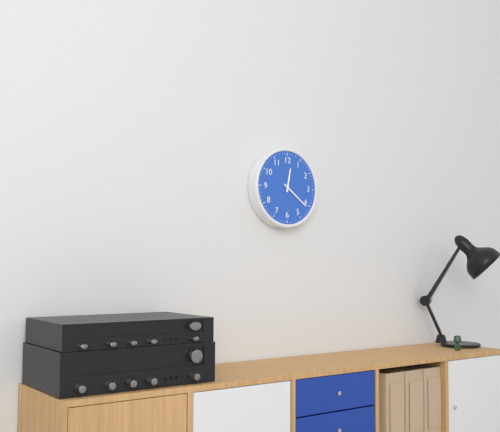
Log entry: 12:21
